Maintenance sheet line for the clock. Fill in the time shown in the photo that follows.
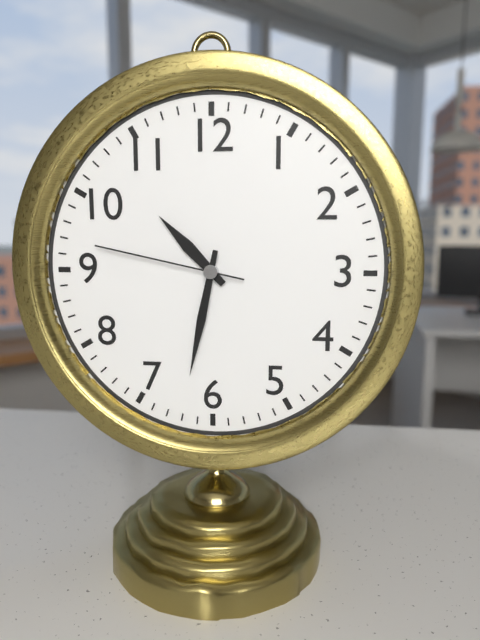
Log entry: 10:32:47
